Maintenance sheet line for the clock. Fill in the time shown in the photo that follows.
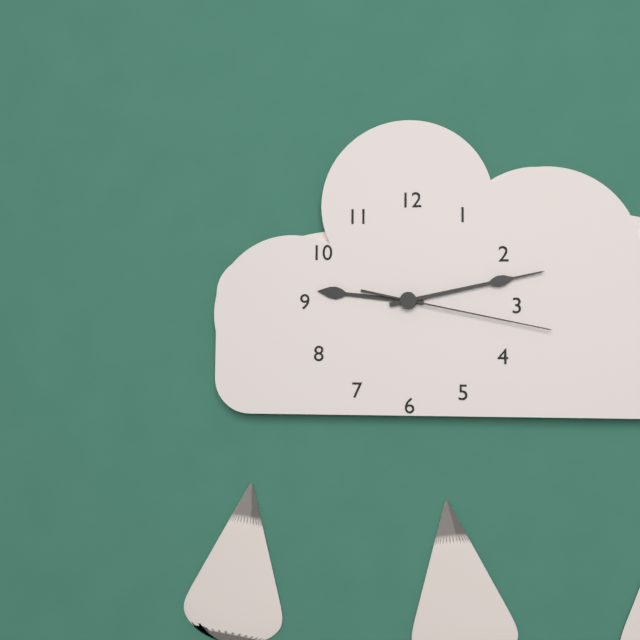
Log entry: 9:13:17
